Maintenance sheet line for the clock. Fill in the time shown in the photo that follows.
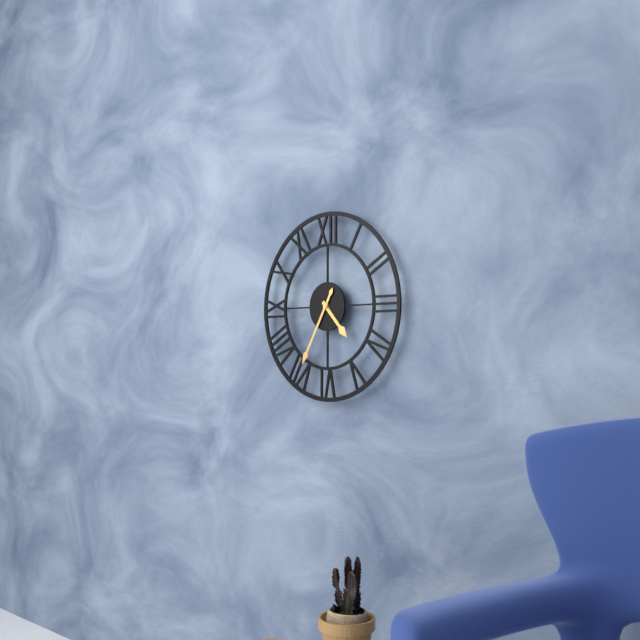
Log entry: 4:35
